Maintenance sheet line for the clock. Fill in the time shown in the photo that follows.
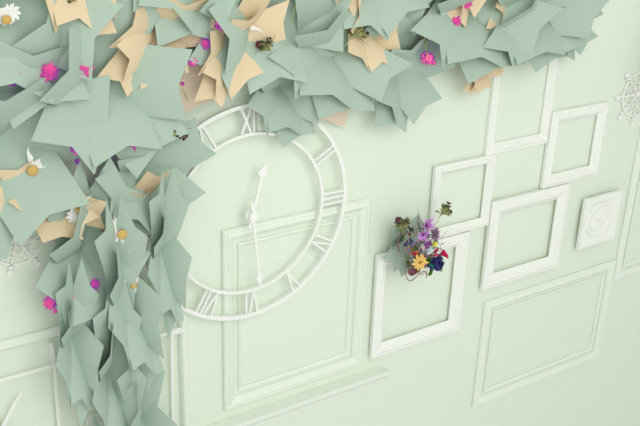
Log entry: 12:29
